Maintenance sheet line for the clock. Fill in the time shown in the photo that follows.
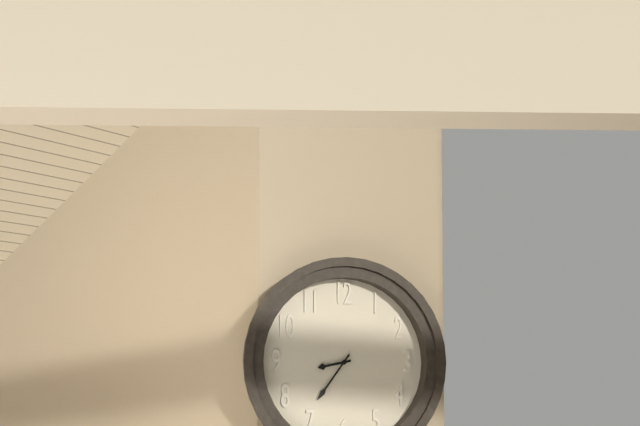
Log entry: 8:36
